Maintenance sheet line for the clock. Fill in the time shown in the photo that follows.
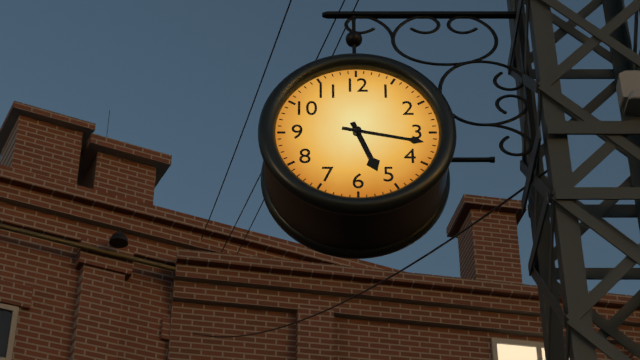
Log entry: 5:17
